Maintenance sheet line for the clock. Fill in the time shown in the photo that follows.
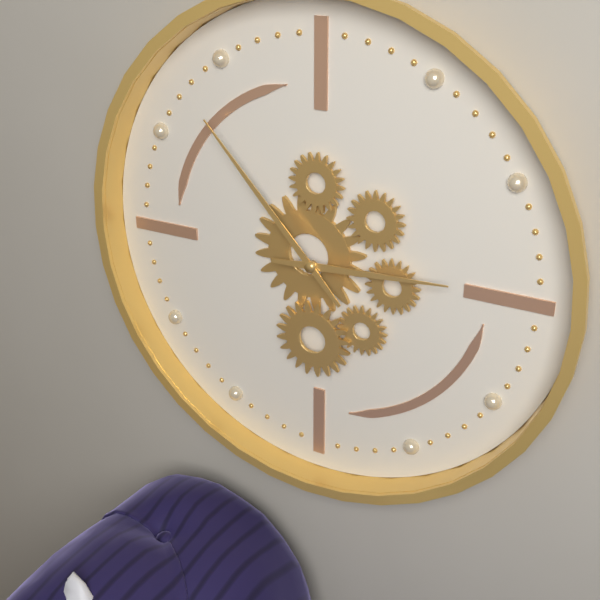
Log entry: 2:53
